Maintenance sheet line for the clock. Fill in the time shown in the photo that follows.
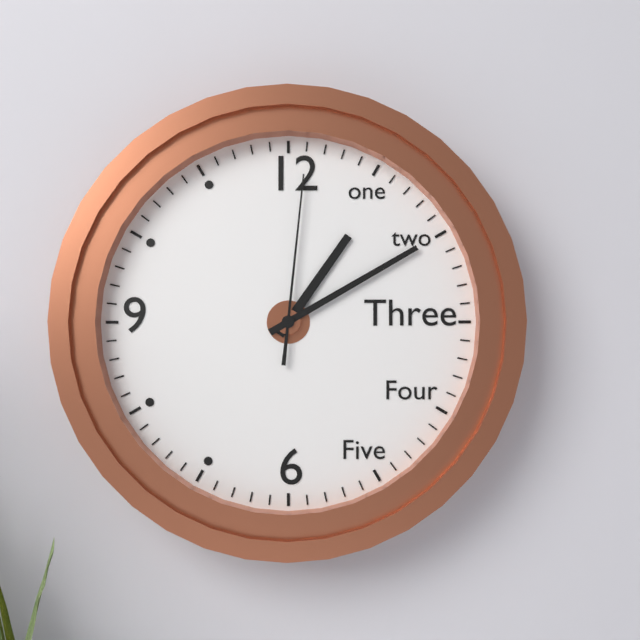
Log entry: 1:10:01
